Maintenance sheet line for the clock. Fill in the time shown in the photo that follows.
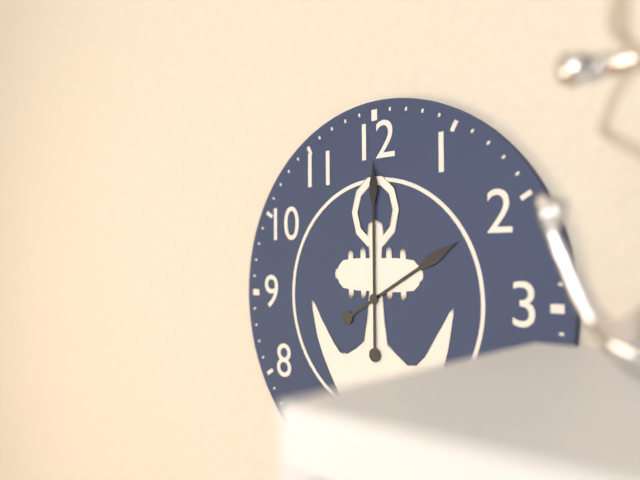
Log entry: 2:00
